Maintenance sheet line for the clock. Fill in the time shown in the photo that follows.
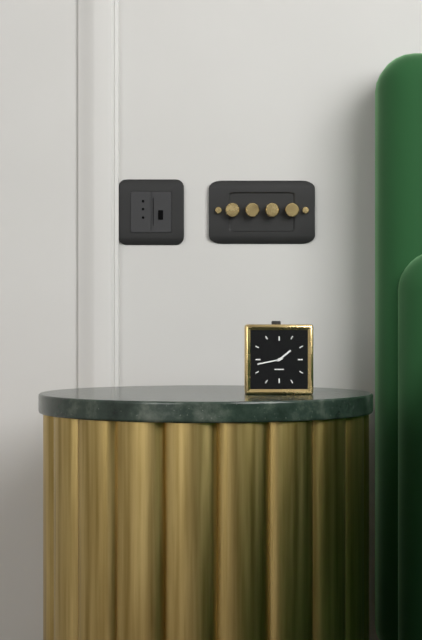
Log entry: 1:43
